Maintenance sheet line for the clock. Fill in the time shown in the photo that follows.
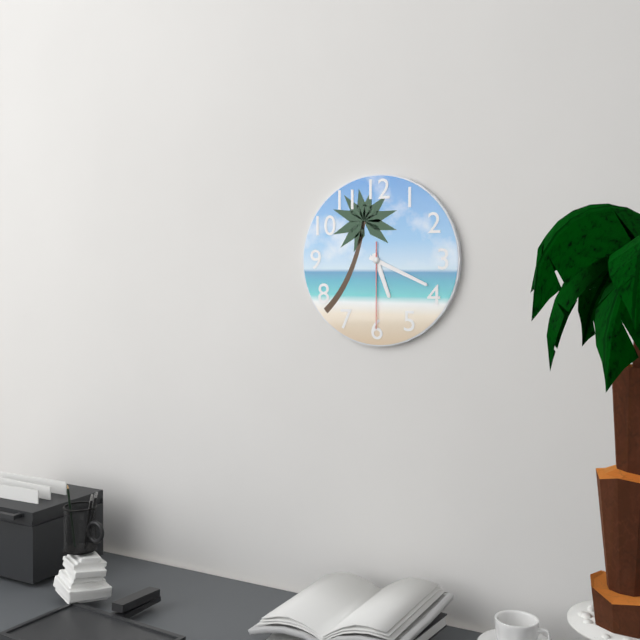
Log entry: 5:19:30
